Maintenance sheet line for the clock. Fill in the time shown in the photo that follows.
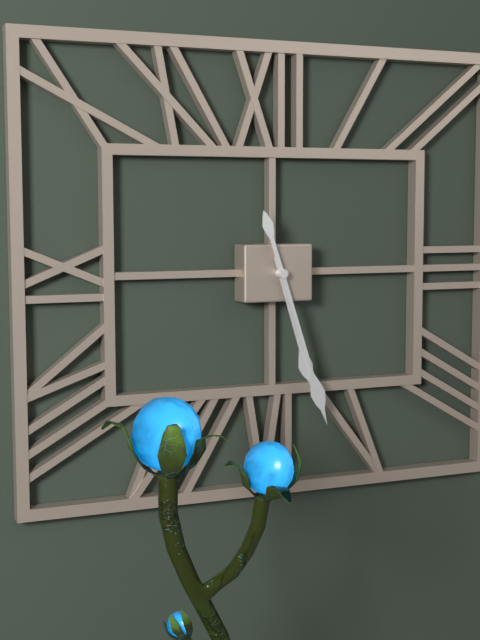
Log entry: 5:27
